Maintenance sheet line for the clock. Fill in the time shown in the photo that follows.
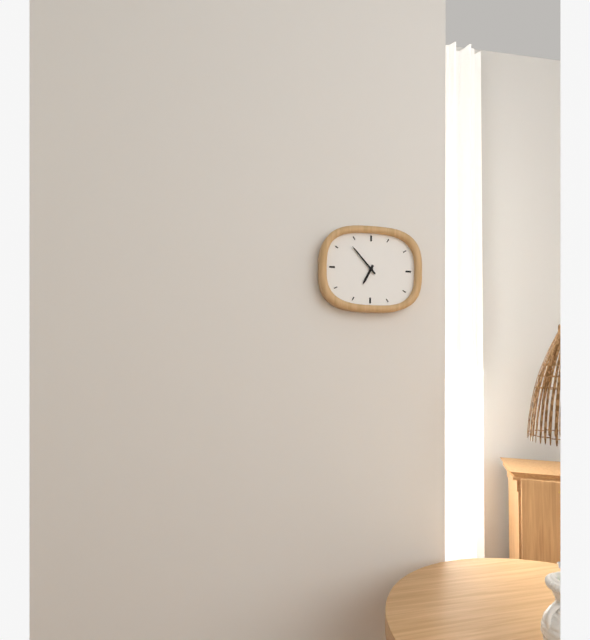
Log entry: 6:53
